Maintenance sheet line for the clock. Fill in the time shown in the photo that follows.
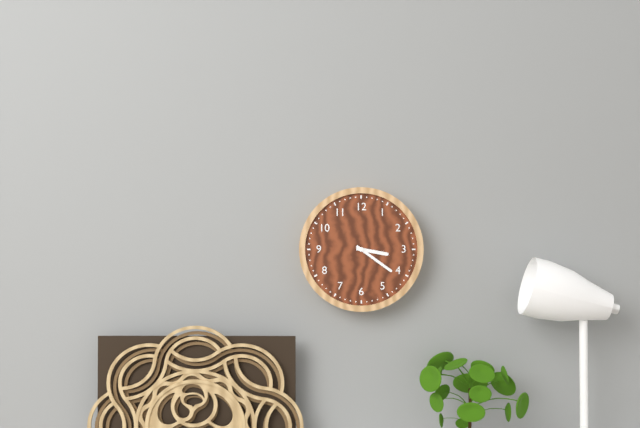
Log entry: 3:21
